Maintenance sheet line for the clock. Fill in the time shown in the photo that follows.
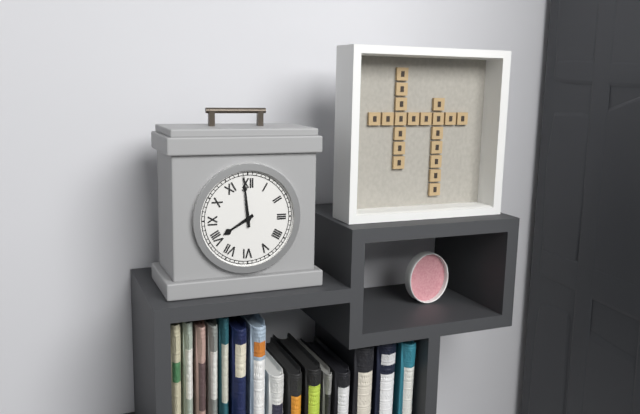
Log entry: 7:59
